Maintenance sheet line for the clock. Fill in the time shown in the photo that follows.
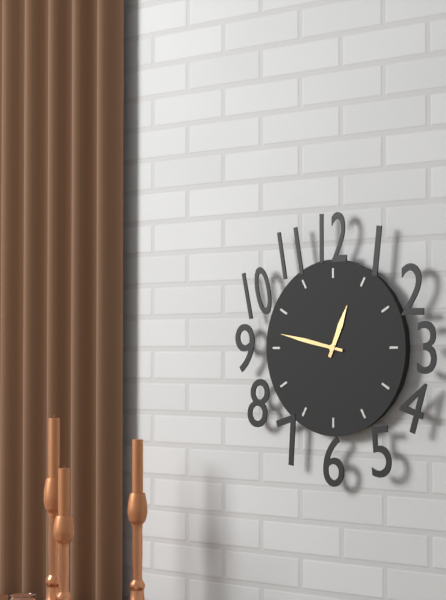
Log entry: 12:47
